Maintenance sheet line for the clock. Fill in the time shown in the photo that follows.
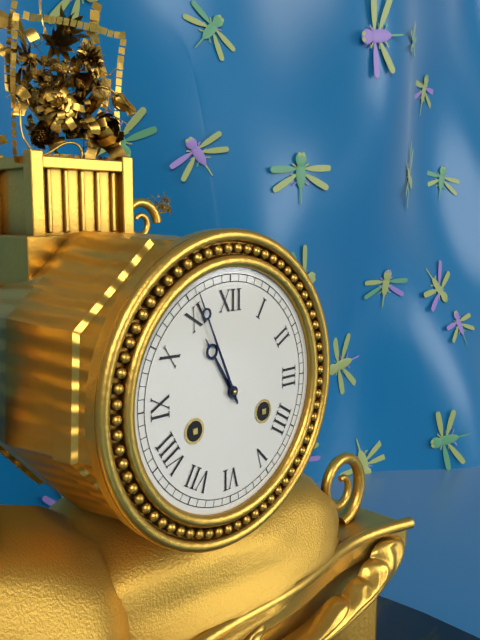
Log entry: 10:56
